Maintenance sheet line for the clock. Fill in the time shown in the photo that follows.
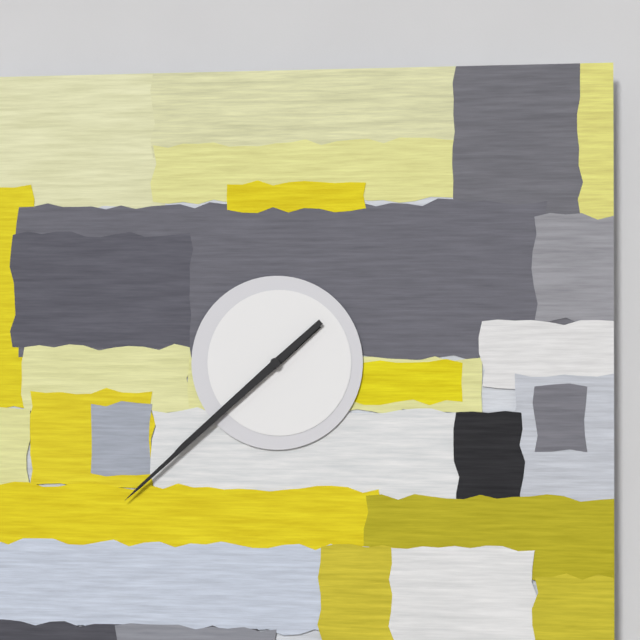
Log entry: 7:38
